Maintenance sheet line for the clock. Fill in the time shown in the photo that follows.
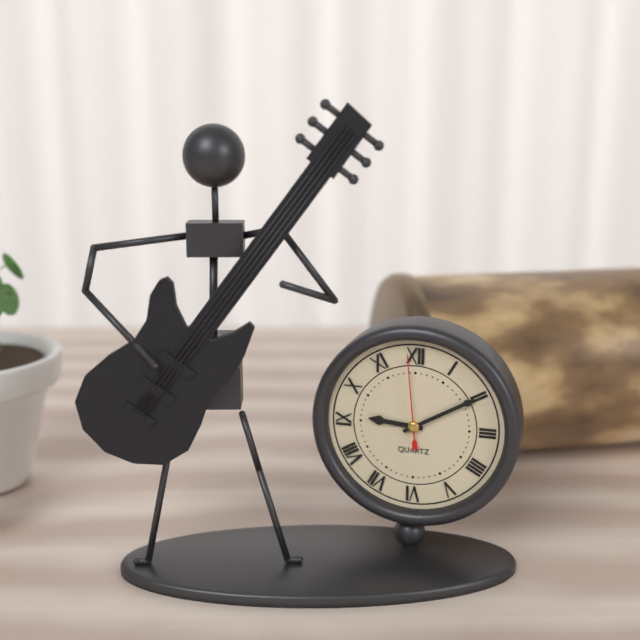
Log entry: 9:10:59
